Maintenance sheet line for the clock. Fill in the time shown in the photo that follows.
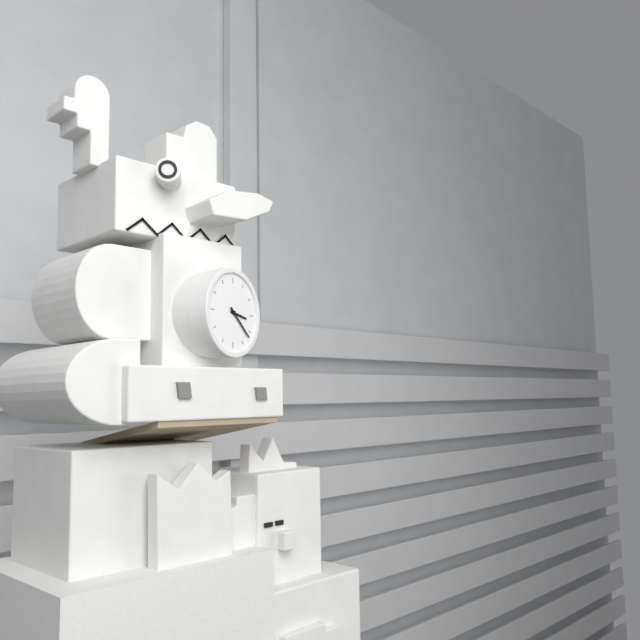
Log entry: 3:22
